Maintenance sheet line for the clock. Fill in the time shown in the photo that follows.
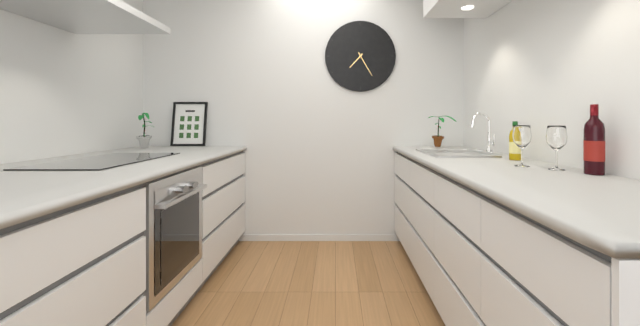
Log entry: 7:25
